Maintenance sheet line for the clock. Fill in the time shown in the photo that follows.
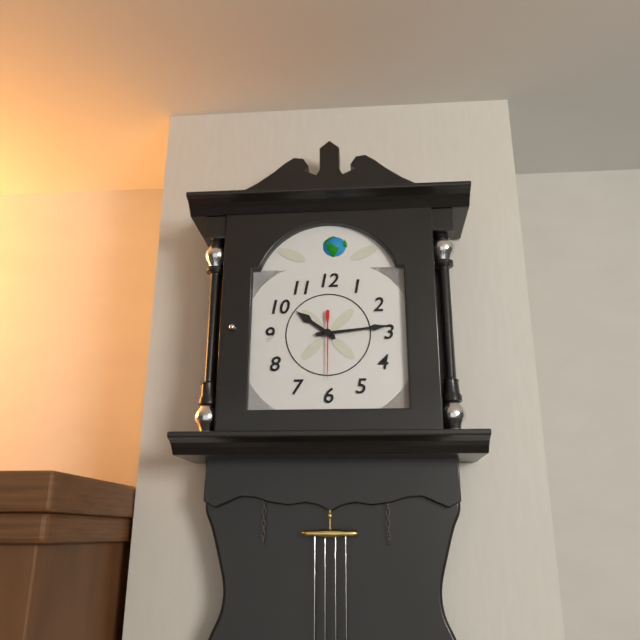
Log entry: 10:14:30
